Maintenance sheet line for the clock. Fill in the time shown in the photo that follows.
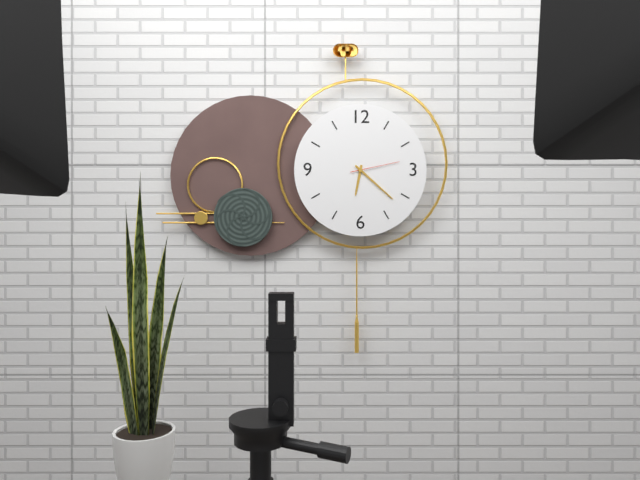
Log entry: 6:22
